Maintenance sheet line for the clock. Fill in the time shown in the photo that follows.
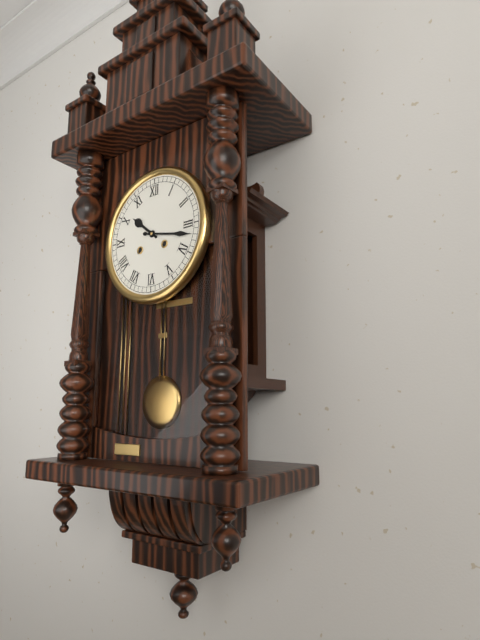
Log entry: 10:17
